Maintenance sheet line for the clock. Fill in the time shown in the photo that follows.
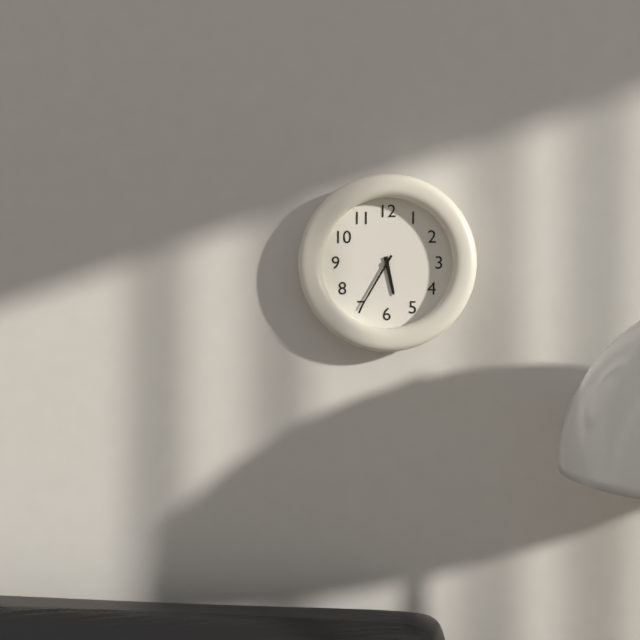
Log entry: 5:35
